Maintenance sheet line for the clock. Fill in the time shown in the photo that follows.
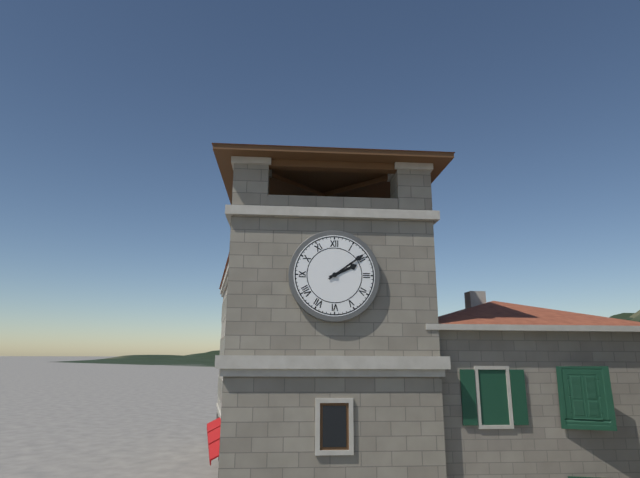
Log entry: 2:09
